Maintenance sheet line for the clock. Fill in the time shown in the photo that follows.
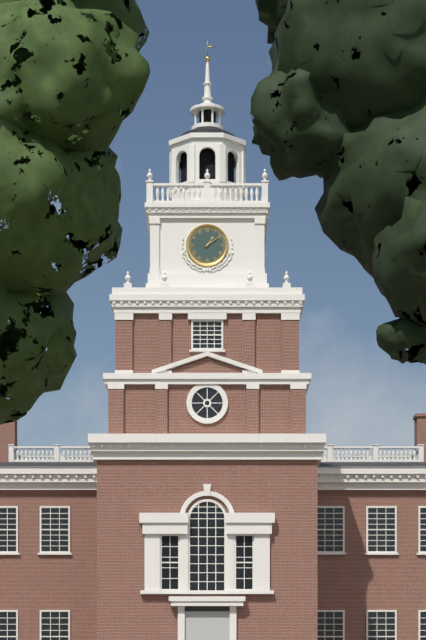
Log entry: 1:09
